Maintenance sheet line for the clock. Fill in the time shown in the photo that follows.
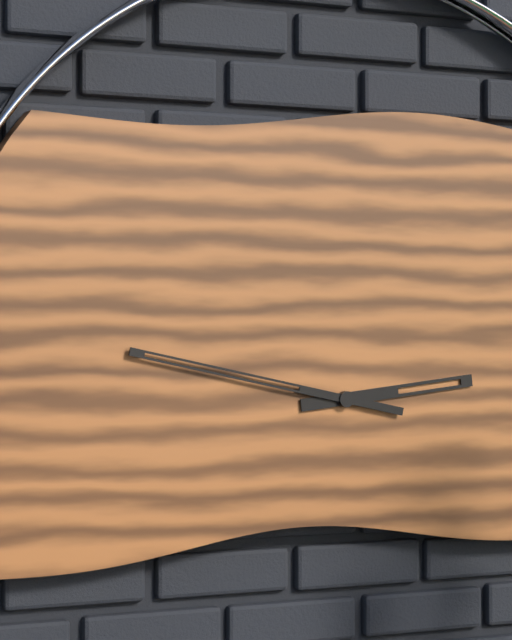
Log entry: 2:47
